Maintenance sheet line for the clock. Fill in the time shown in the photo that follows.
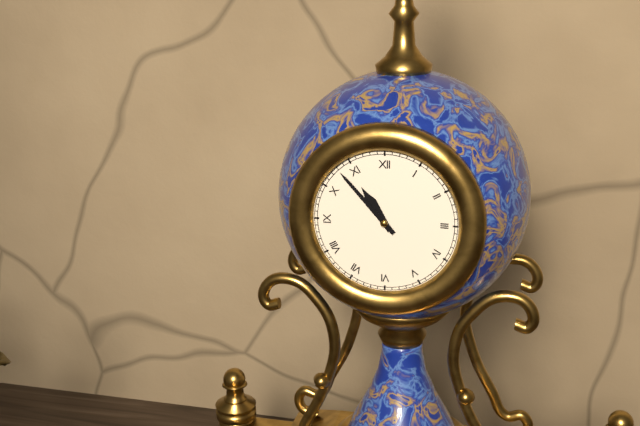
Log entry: 10:53
